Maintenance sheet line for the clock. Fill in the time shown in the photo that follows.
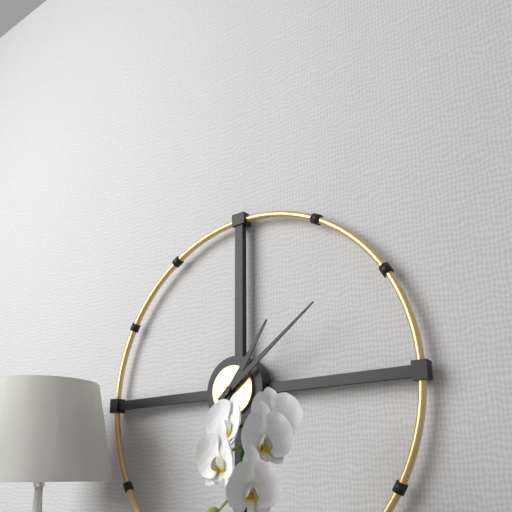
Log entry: 1:09
